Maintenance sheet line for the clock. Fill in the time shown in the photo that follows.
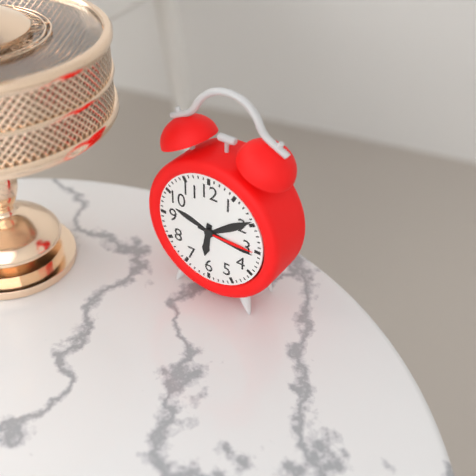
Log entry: 6:16
